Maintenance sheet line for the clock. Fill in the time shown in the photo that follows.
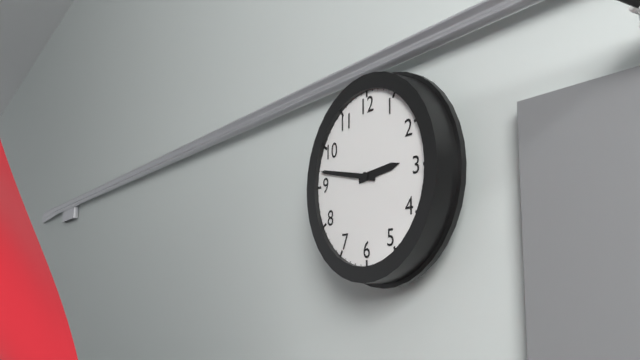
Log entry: 2:47
